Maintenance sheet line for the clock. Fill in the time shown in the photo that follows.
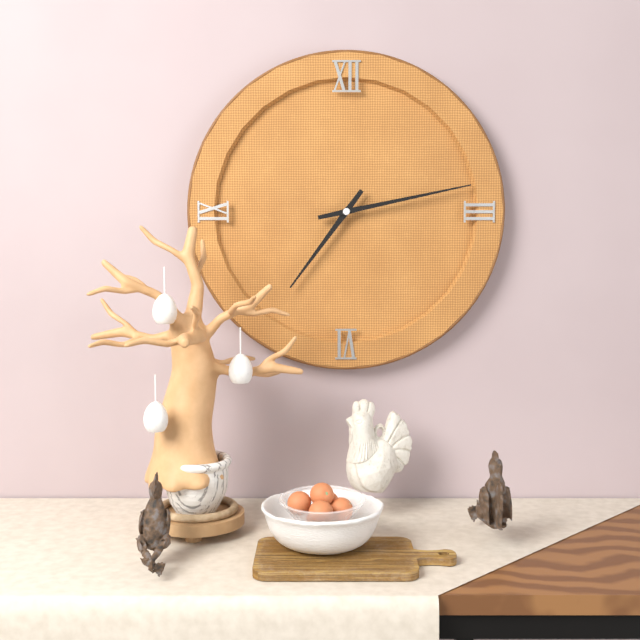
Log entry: 7:13
